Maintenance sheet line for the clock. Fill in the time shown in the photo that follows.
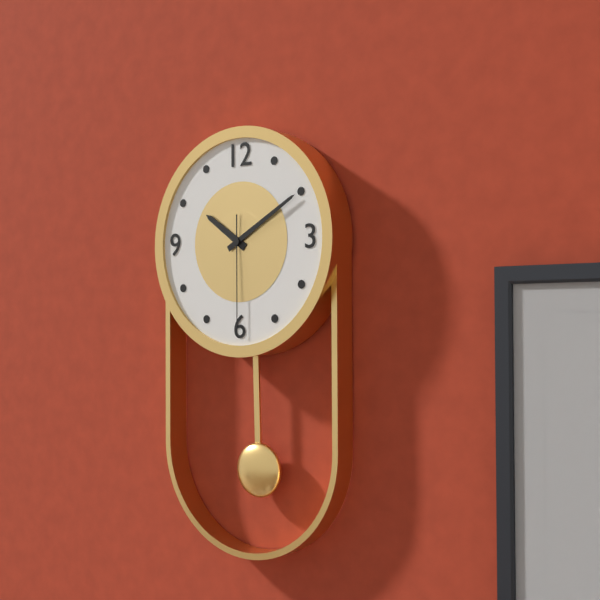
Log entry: 10:10:30
